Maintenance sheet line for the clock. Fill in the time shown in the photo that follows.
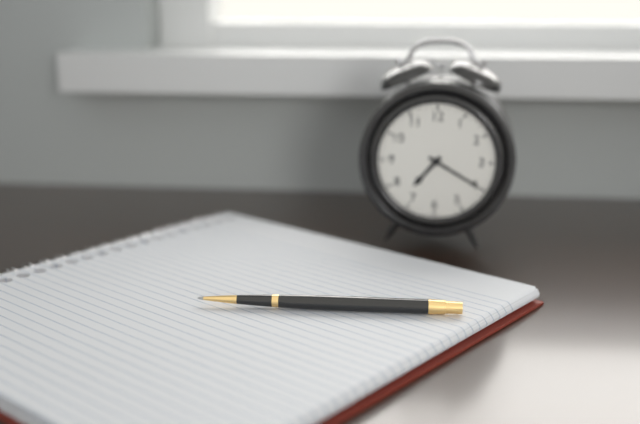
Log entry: 7:20
